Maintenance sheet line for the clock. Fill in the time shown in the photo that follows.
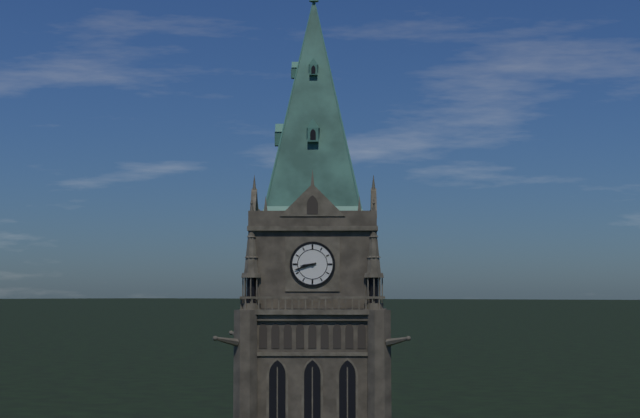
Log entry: 8:42
